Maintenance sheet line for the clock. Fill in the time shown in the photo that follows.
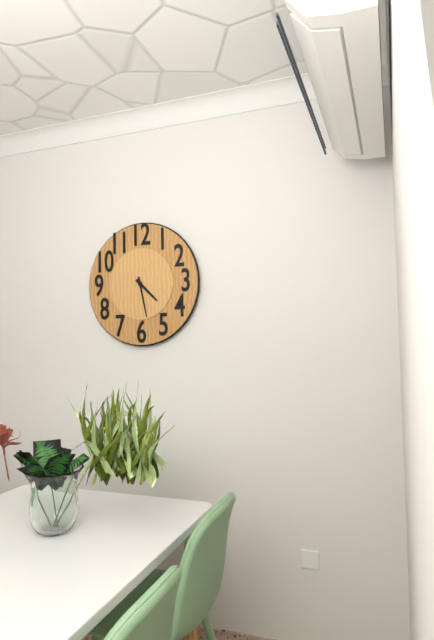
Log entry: 4:28
